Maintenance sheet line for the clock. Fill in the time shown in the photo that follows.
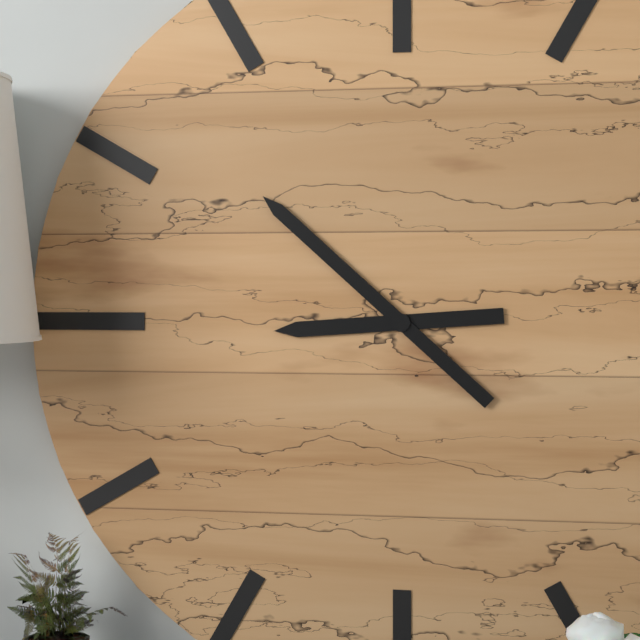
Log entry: 8:52
